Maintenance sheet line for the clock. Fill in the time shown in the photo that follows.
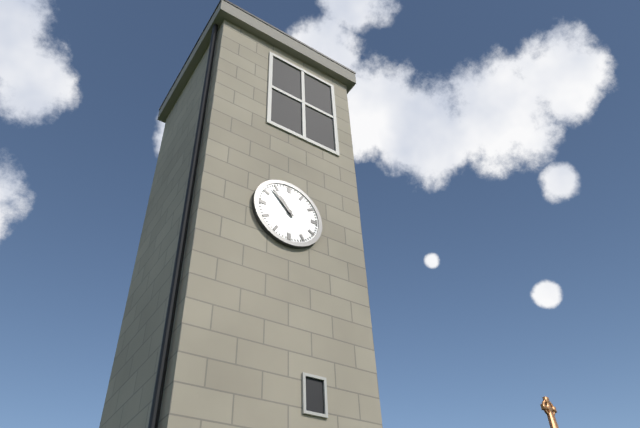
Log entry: 10:53
